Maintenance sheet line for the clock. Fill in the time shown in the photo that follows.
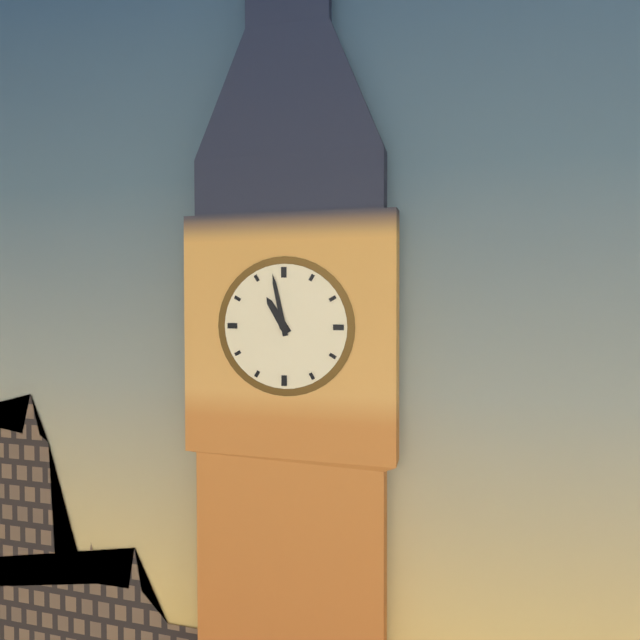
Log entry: 10:58
